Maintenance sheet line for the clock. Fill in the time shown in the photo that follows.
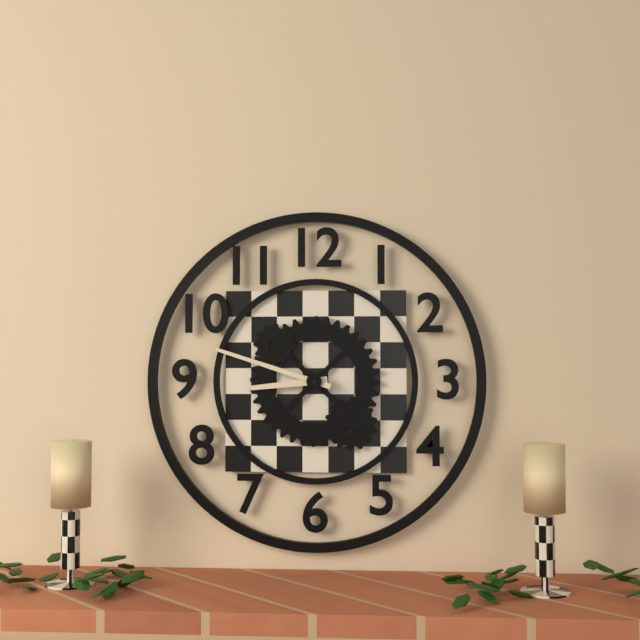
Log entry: 8:48
